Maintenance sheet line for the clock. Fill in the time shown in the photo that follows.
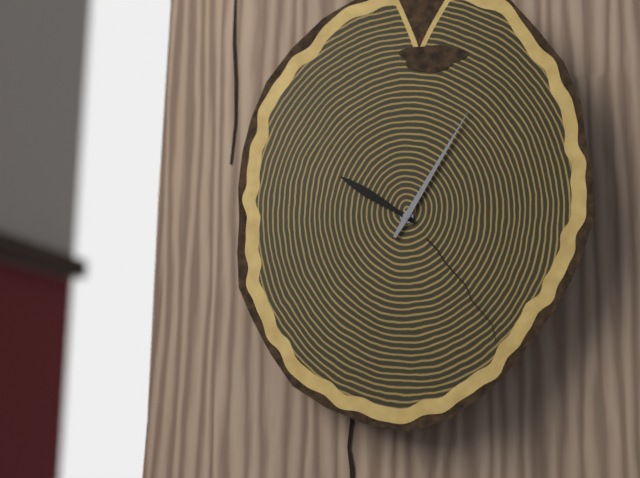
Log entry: 10:05
